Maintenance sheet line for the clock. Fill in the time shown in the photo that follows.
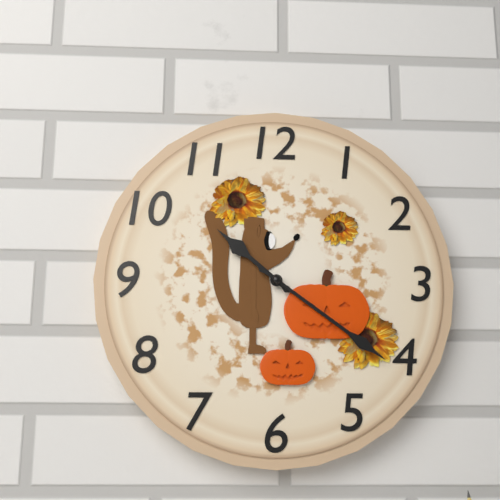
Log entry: 10:21
